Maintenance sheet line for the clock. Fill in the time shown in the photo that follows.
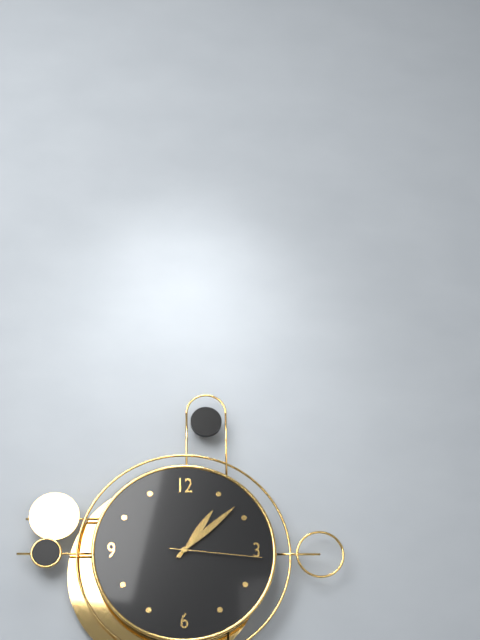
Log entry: 1:08:16
